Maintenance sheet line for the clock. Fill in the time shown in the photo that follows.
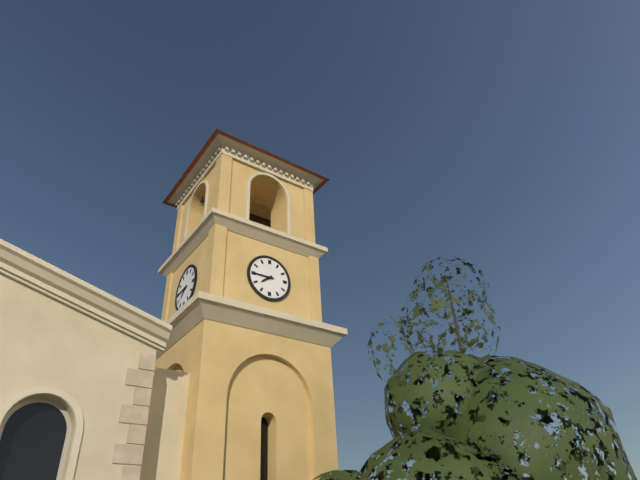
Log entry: 7:45
